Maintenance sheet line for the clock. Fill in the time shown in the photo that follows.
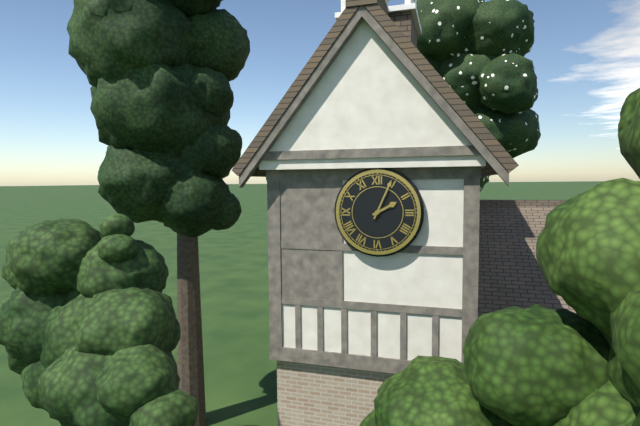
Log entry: 2:04
